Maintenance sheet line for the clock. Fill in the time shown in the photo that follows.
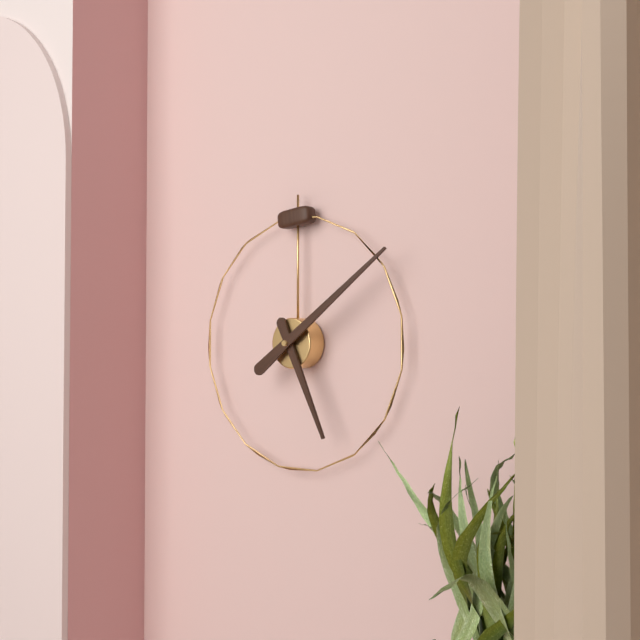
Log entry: 5:09
